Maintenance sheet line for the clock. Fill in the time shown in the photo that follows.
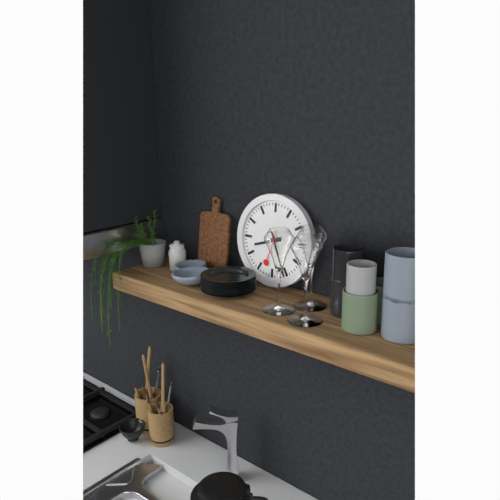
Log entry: 8:26
